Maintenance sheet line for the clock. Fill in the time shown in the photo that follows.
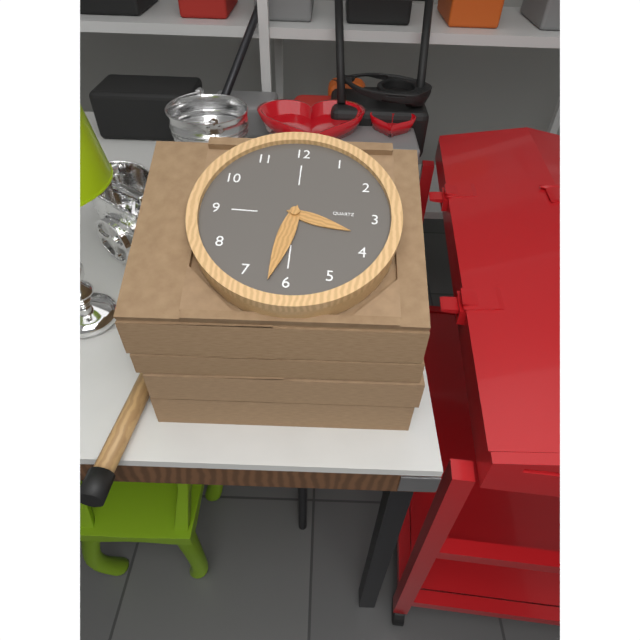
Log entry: 3:32
